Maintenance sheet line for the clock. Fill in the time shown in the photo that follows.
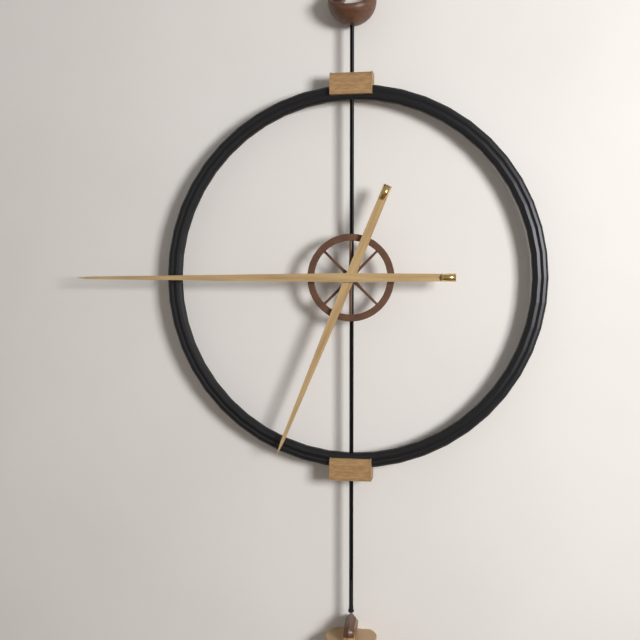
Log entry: 6:45
